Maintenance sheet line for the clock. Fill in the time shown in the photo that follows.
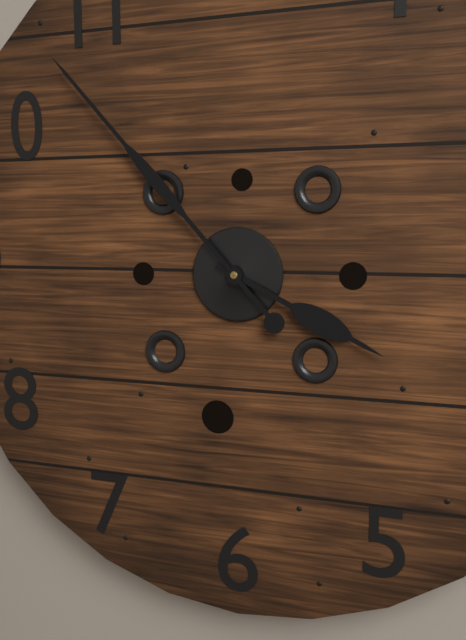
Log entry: 3:53
